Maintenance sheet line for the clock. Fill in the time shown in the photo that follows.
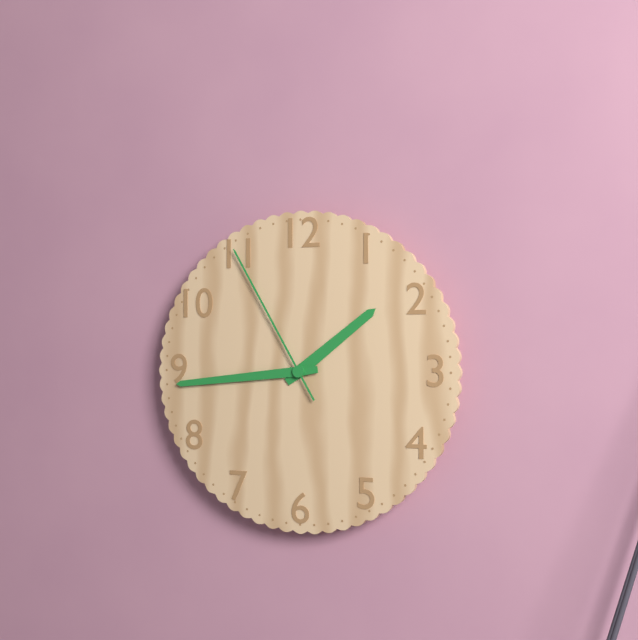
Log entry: 1:44:55
